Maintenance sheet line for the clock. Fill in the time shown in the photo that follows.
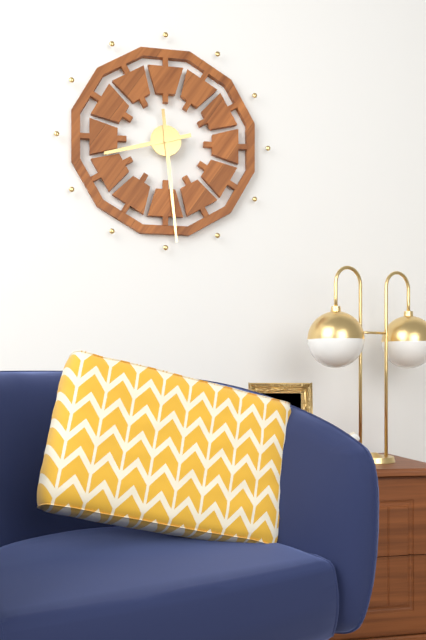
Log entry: 8:29
